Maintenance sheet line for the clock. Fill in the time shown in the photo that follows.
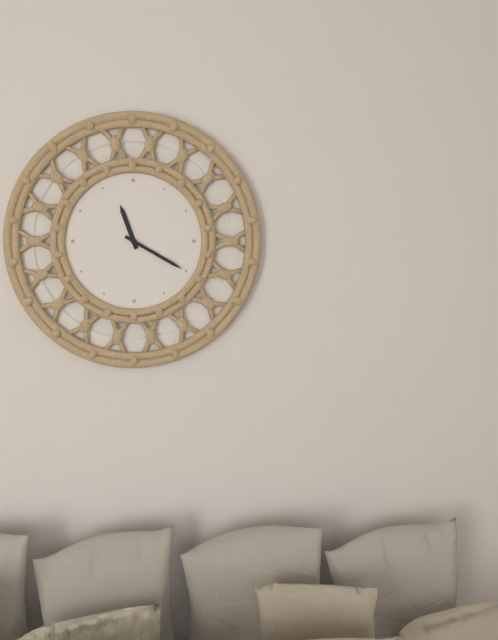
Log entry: 11:20
